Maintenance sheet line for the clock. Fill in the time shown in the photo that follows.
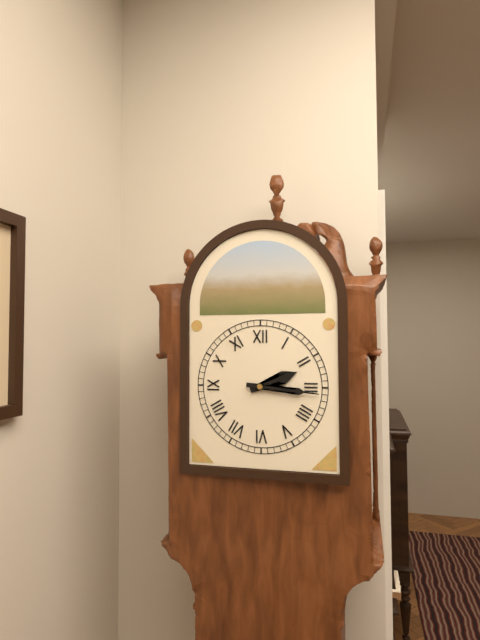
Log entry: 2:16
